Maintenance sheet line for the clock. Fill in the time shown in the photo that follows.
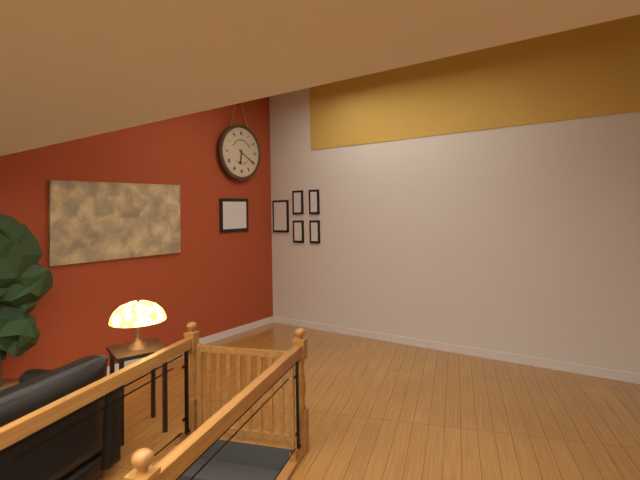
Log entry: 6:20
